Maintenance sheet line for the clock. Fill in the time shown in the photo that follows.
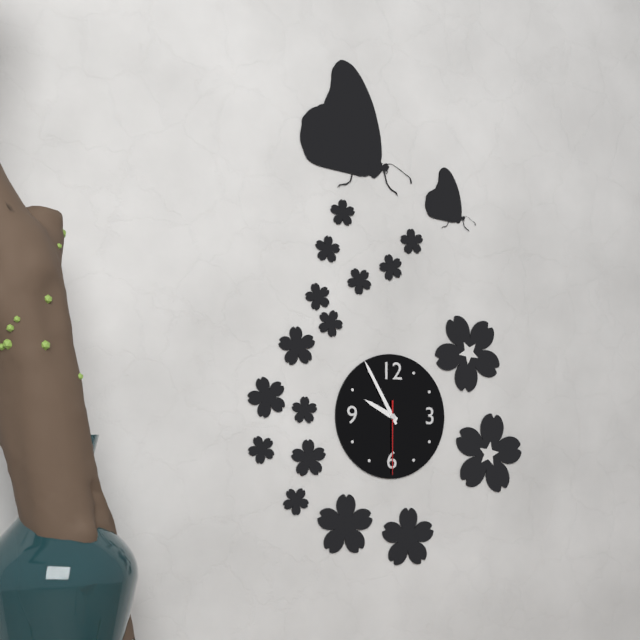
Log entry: 9:55:30
